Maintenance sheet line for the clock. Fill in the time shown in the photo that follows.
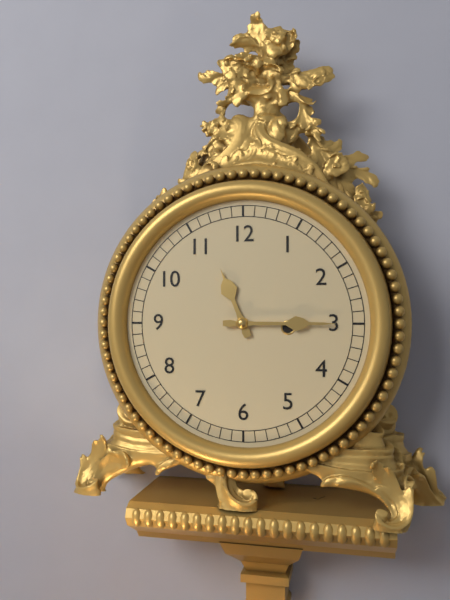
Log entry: 11:15
